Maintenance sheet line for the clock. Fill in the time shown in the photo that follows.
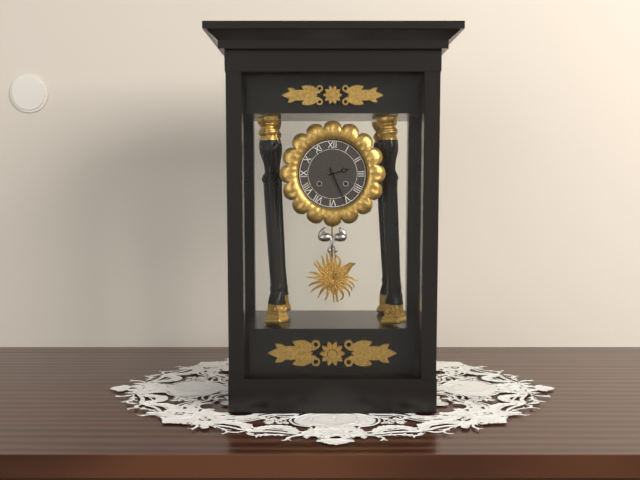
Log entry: 2:26
